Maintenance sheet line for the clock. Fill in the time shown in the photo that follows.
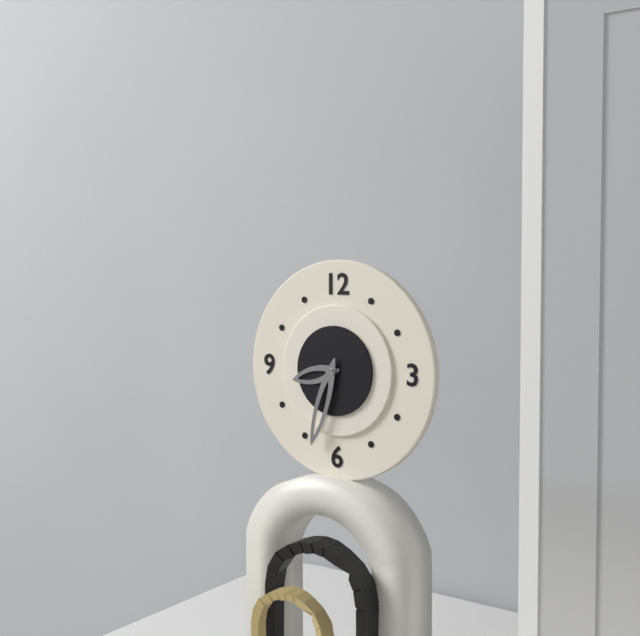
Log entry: 8:33
